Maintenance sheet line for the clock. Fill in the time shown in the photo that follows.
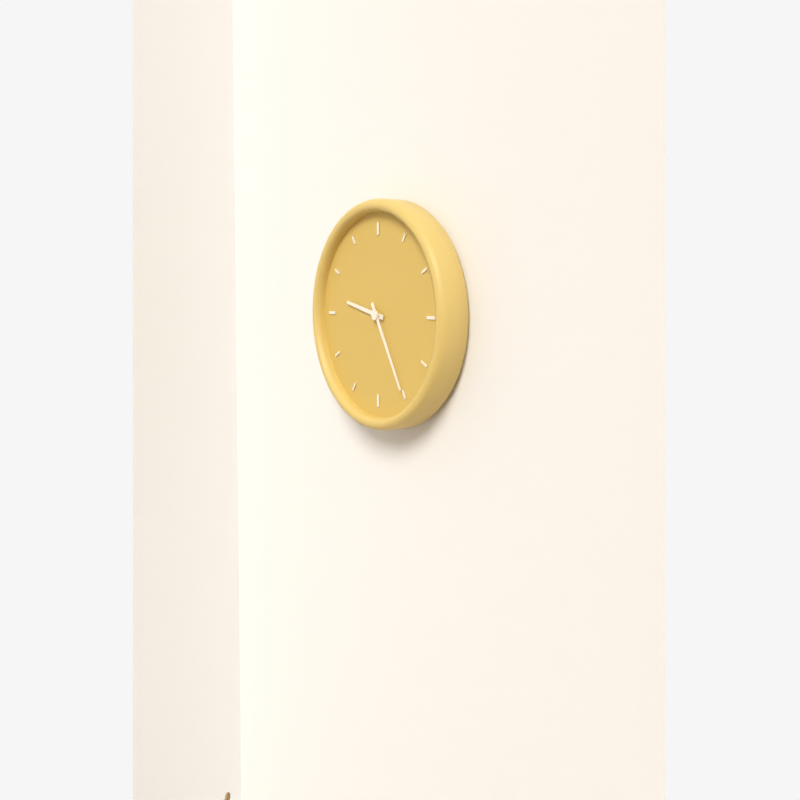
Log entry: 9:25
